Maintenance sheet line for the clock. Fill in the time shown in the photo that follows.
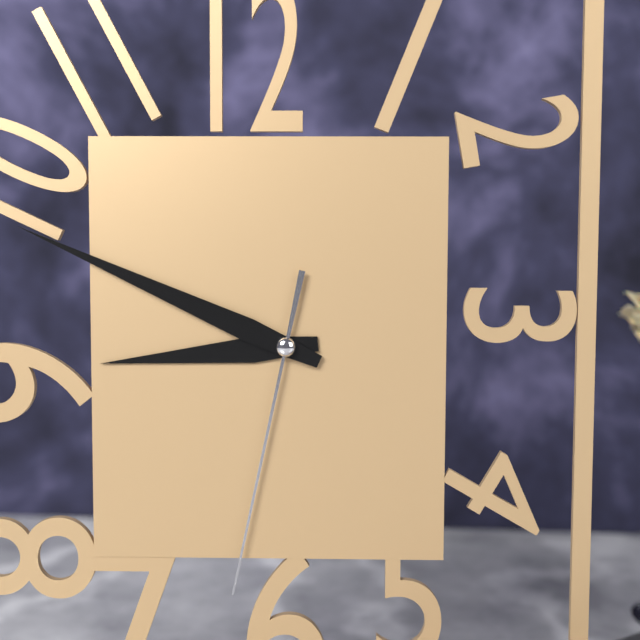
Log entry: 8:49:32
